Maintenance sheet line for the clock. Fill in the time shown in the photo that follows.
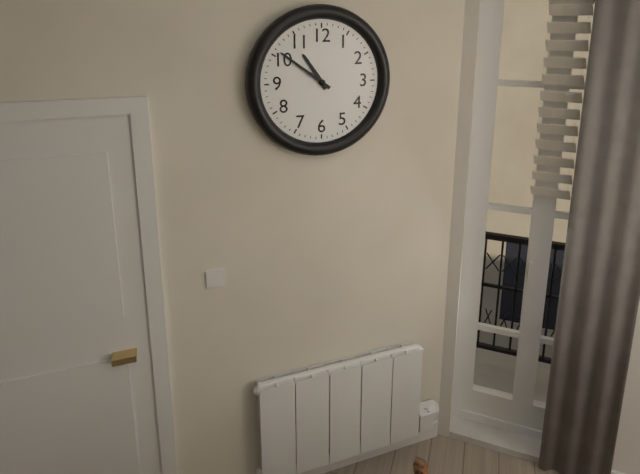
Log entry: 10:51
